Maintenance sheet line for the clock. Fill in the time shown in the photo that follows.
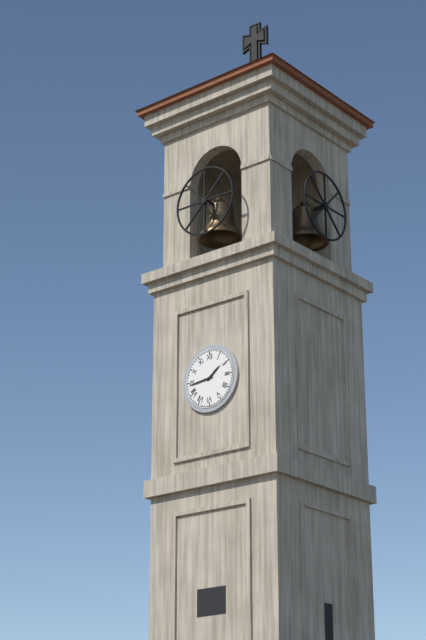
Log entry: 1:44
